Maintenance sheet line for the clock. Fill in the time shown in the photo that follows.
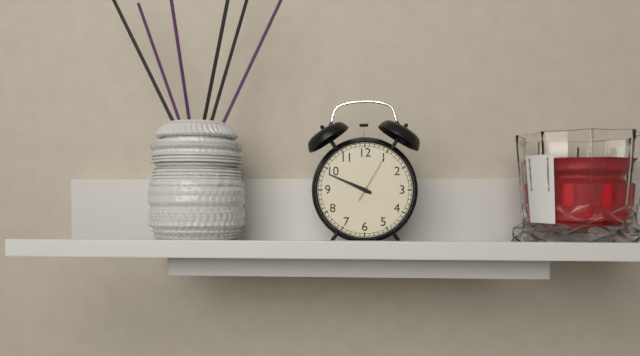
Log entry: 9:49
